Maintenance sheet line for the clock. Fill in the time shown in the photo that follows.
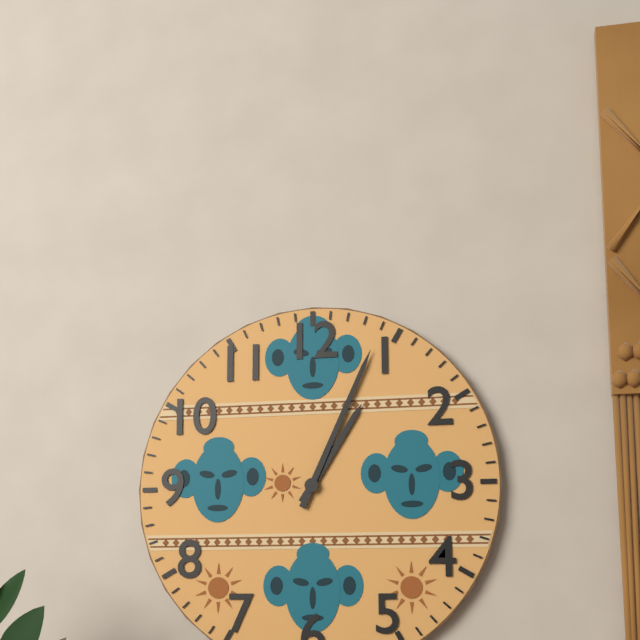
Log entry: 1:04
